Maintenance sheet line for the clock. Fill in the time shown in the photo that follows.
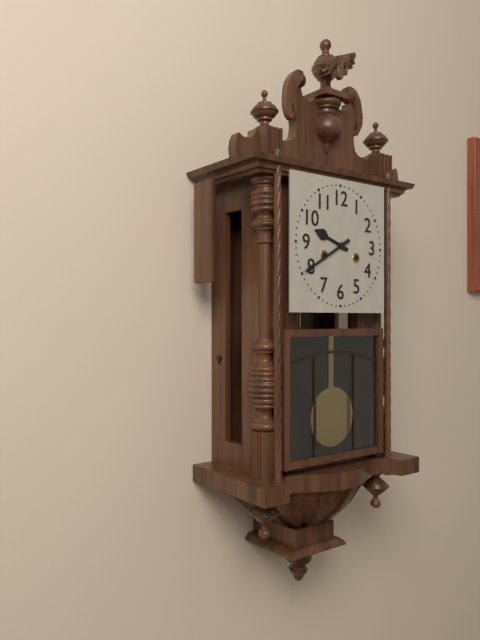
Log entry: 9:40
